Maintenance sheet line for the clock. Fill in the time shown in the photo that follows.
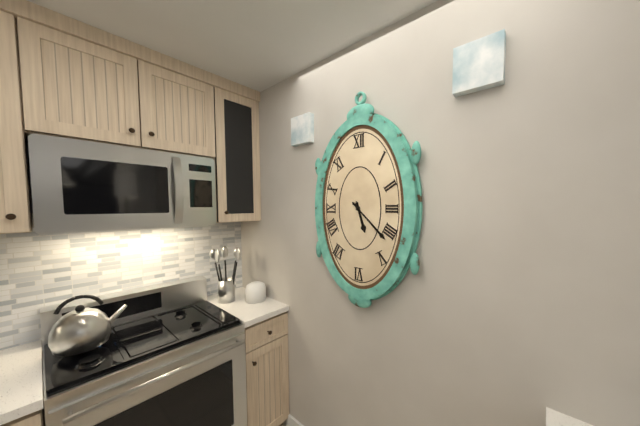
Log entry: 5:22
